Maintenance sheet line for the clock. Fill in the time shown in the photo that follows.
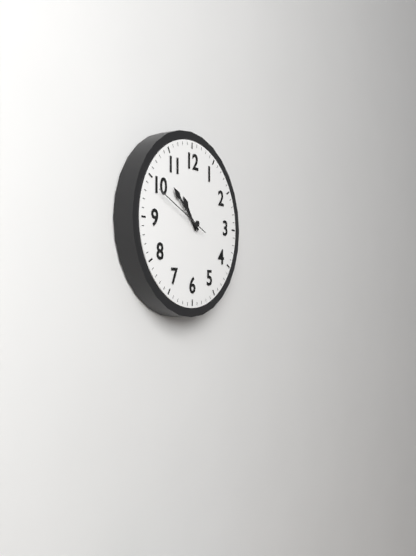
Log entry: 10:52:49
